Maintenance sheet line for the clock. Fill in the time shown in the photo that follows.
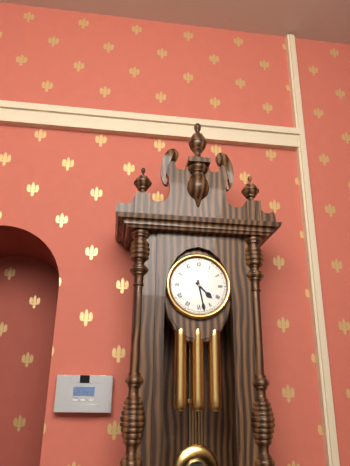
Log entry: 4:28
